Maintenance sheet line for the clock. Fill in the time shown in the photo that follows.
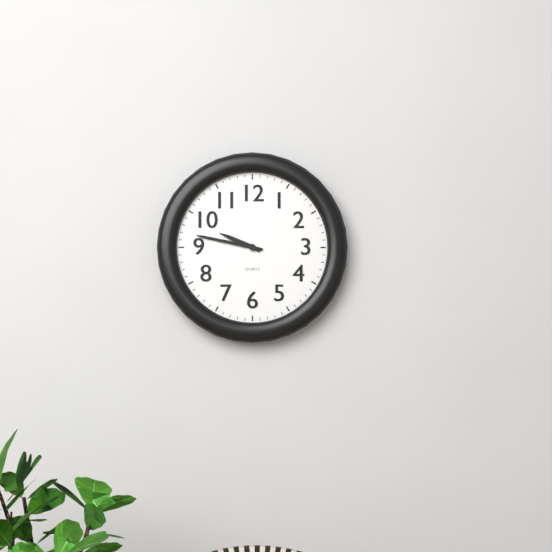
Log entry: 9:47
